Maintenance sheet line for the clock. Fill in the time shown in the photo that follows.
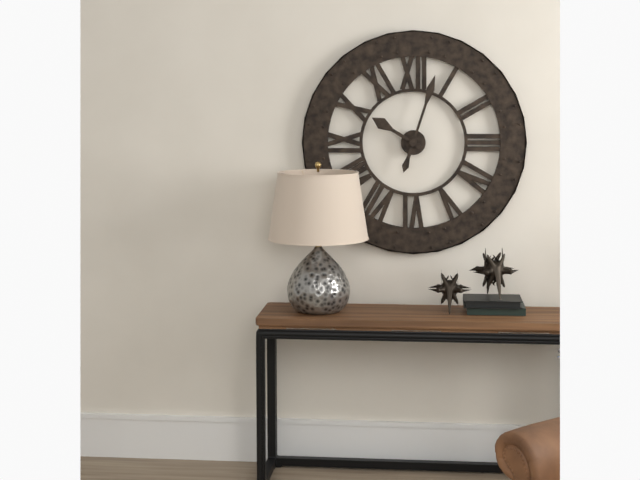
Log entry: 10:03
